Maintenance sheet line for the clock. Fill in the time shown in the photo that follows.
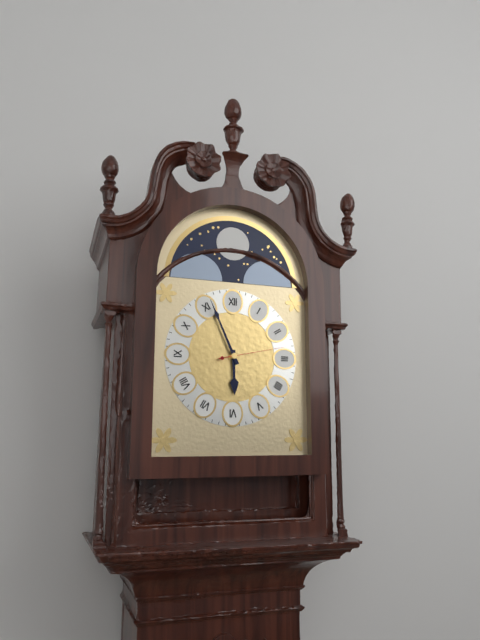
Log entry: 5:56:13
